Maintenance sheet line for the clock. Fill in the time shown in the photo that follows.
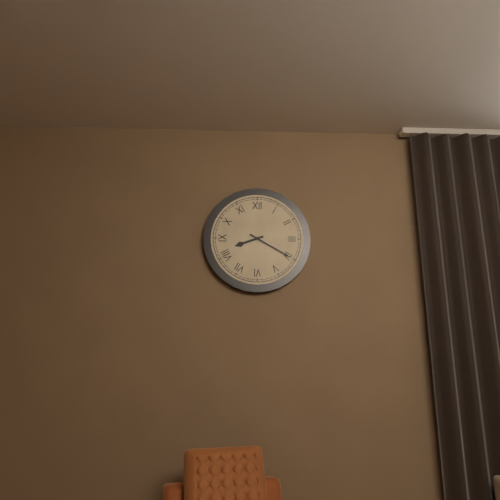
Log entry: 8:20
